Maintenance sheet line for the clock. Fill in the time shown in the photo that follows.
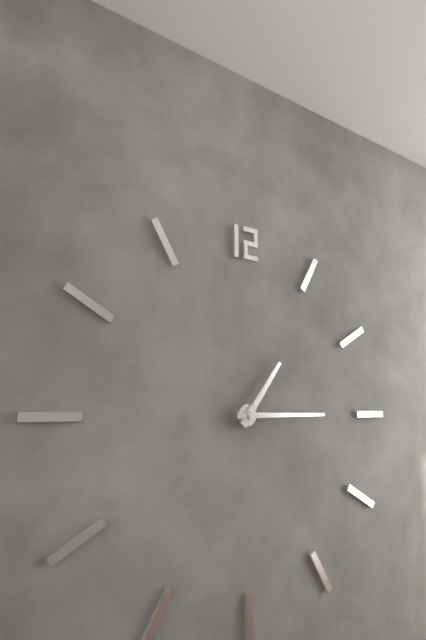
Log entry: 1:15
